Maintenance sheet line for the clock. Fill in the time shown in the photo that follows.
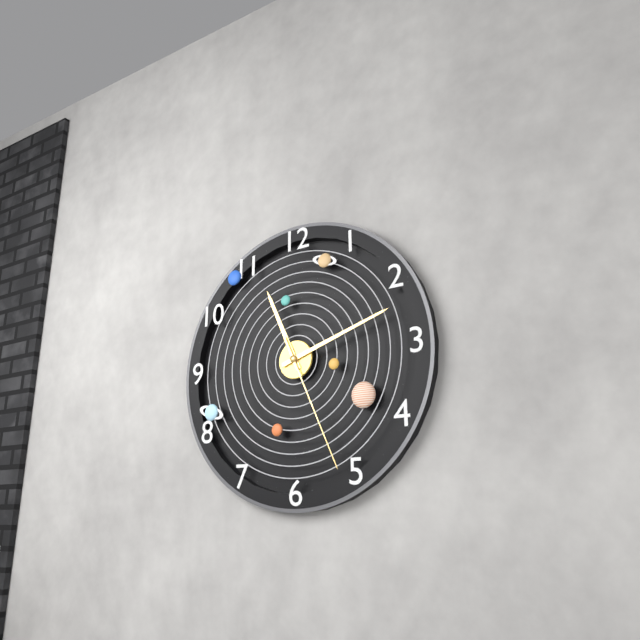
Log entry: 11:12:26
